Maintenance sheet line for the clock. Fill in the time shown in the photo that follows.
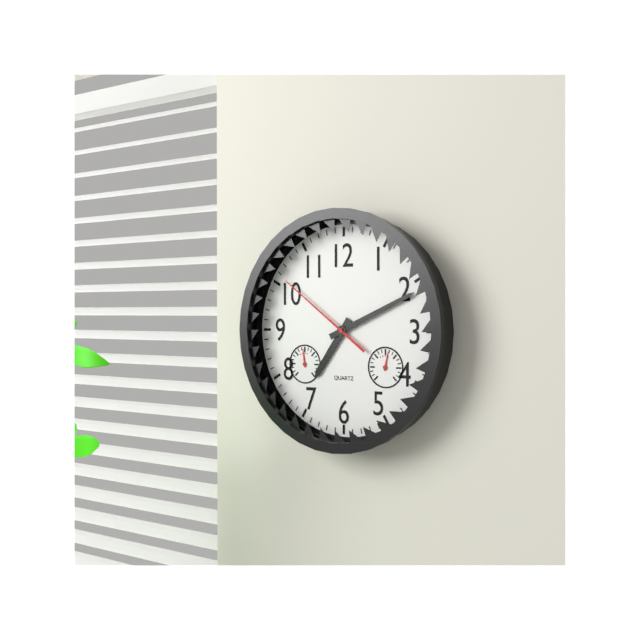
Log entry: 7:11:51
